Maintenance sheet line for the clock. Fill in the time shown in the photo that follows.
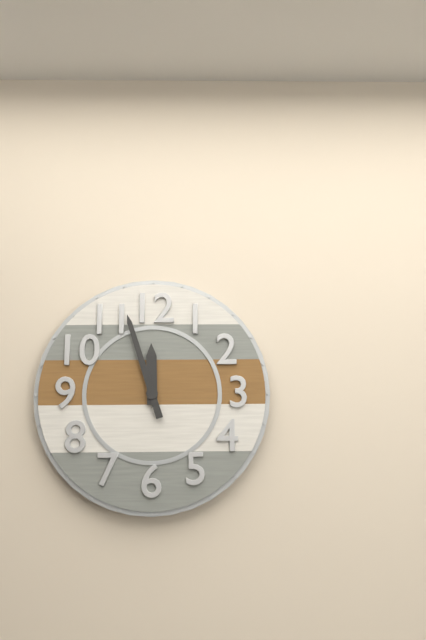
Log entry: 11:57
